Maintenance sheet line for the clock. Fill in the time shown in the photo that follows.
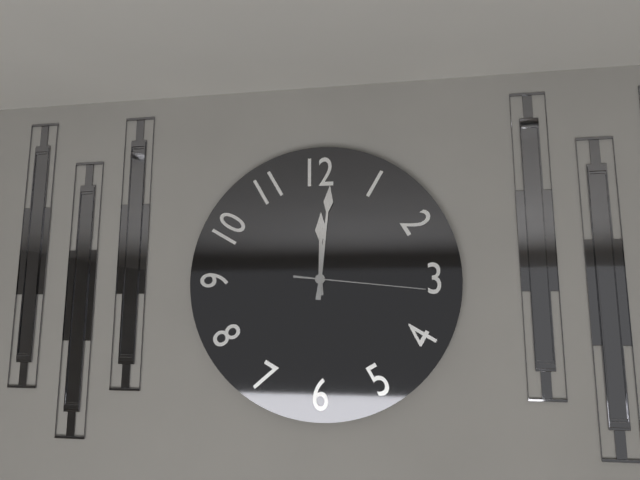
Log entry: 12:01:16
